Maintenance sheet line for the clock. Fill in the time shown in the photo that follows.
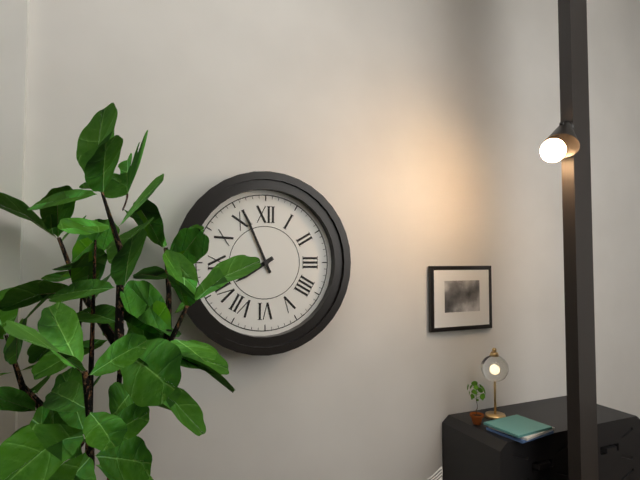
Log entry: 7:56
